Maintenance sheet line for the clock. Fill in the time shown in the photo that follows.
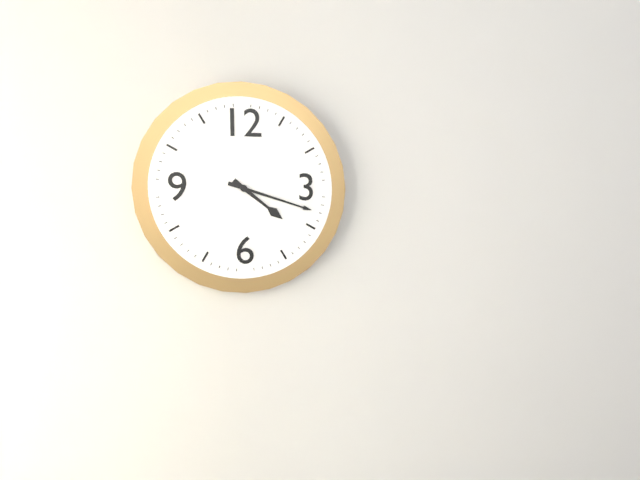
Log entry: 4:18
